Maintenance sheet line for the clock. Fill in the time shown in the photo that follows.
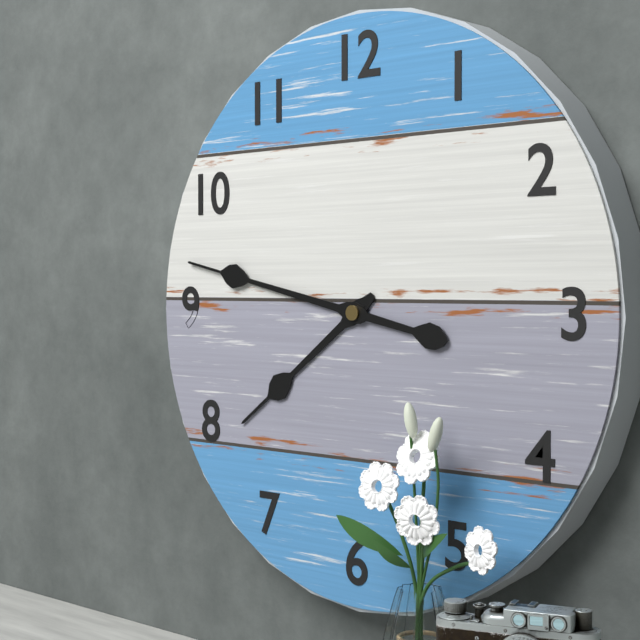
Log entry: 7:47
